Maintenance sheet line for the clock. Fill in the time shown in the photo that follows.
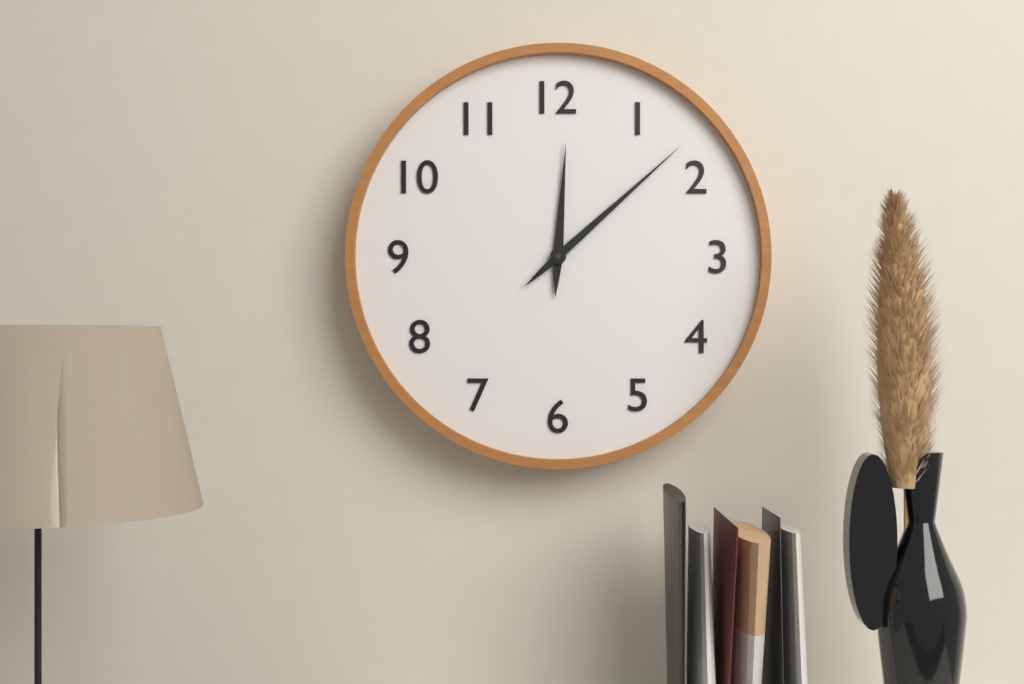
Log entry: 12:08
